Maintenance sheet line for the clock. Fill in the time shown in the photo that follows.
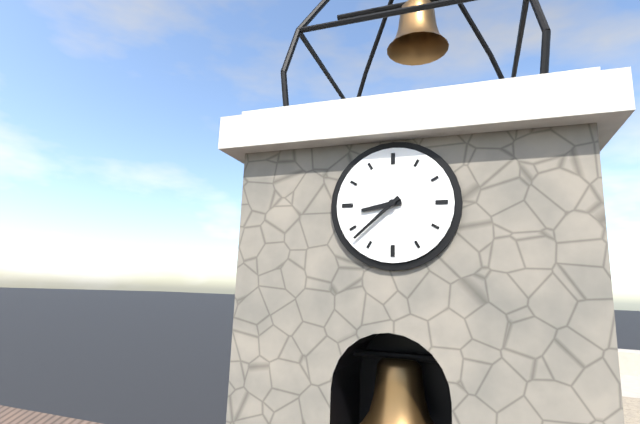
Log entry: 8:38
